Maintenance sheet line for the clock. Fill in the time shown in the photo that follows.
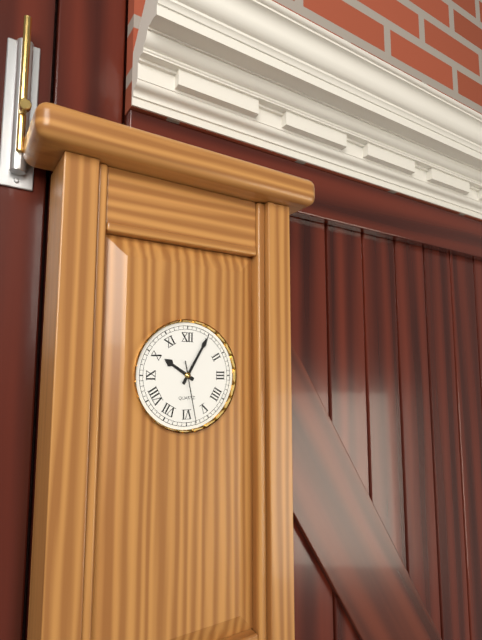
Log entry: 10:05:28
